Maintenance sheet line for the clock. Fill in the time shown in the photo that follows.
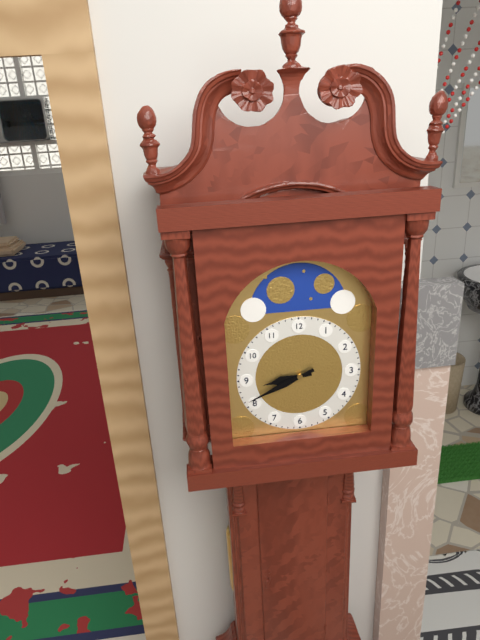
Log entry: 8:41
